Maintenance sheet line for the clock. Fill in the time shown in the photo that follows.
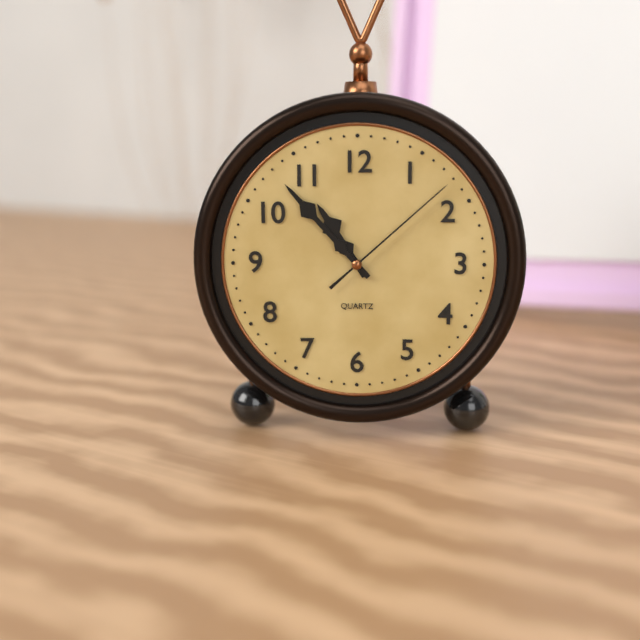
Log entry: 10:53:08
